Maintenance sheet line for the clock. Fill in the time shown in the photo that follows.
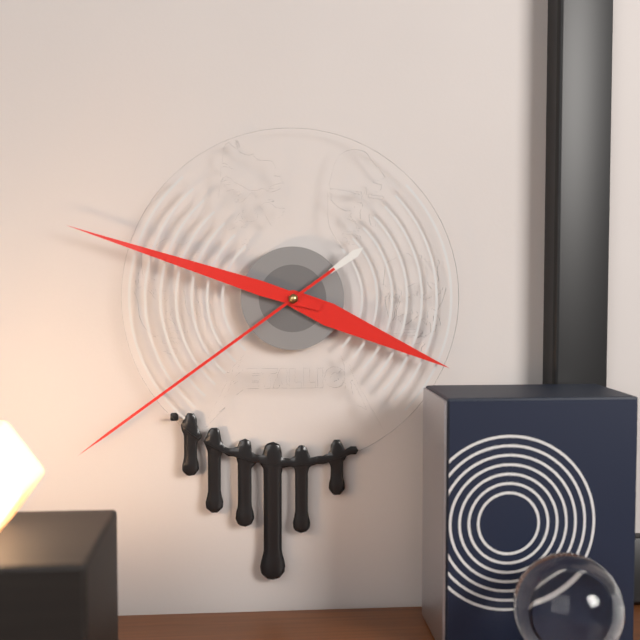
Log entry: 3:48:39
